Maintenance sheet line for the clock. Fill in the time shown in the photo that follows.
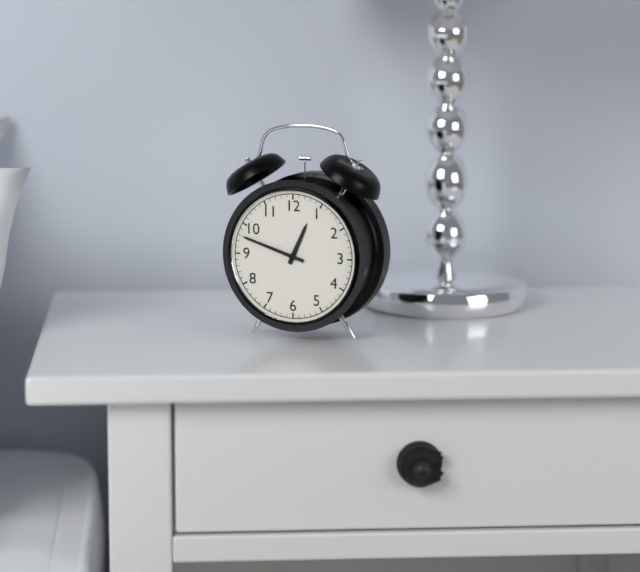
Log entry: 12:48
